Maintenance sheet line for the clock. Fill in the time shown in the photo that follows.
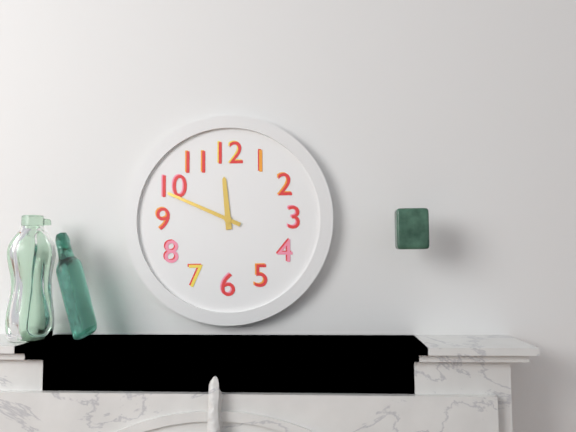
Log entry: 11:49
